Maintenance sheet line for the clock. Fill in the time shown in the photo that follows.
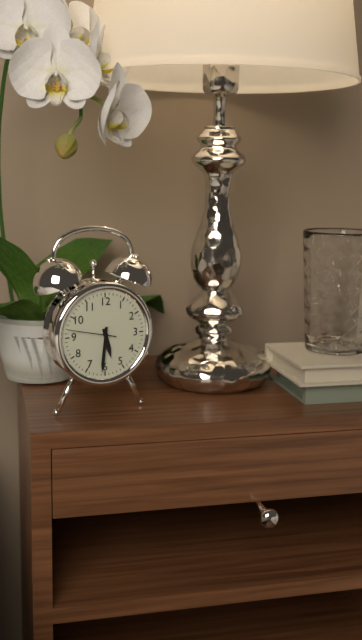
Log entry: 5:31
